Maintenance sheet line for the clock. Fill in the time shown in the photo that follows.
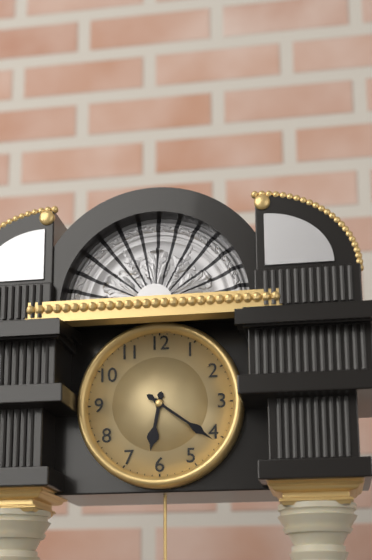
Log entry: 6:21
